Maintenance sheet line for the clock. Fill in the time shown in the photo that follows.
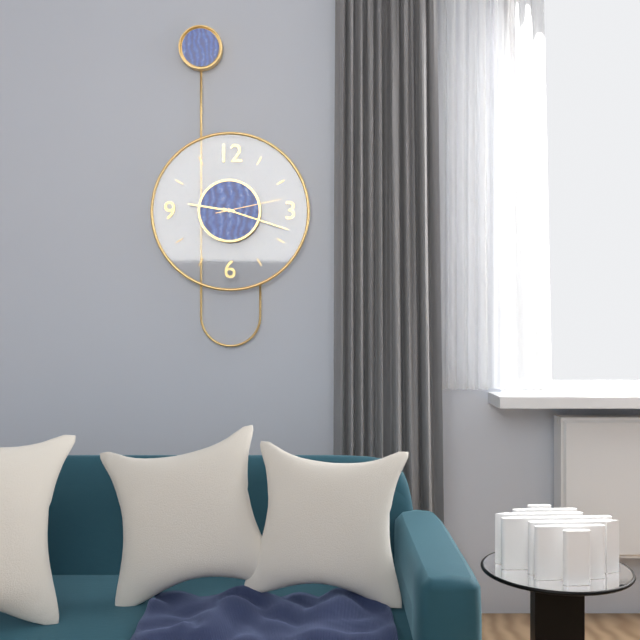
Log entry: 9:18:13
